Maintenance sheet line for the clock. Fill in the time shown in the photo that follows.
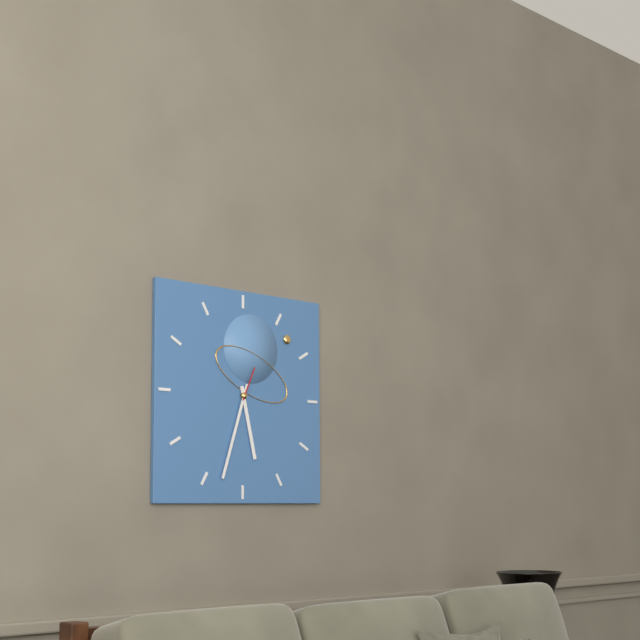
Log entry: 5:33
